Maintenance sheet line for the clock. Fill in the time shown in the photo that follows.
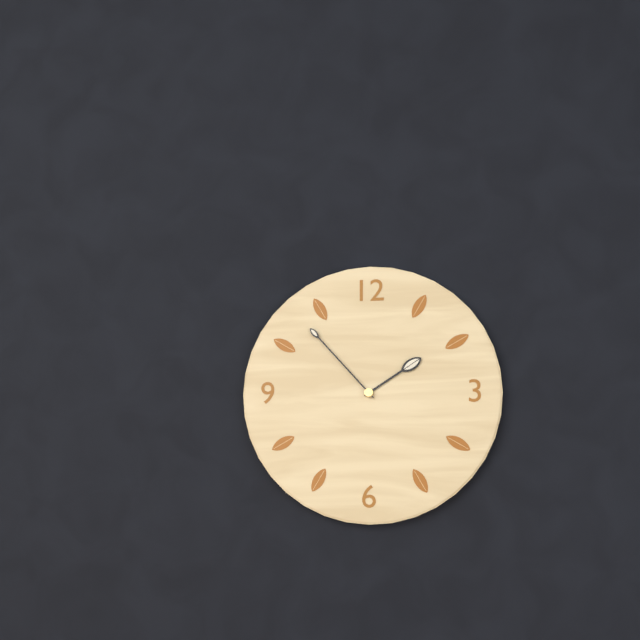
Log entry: 1:53
